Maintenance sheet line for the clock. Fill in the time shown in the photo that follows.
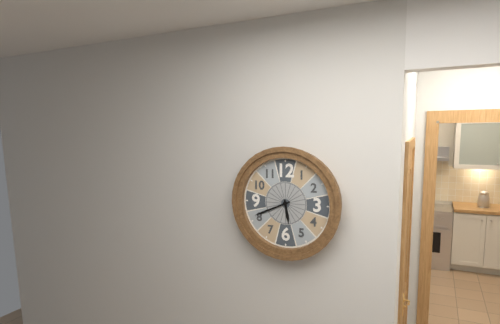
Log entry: 5:41
